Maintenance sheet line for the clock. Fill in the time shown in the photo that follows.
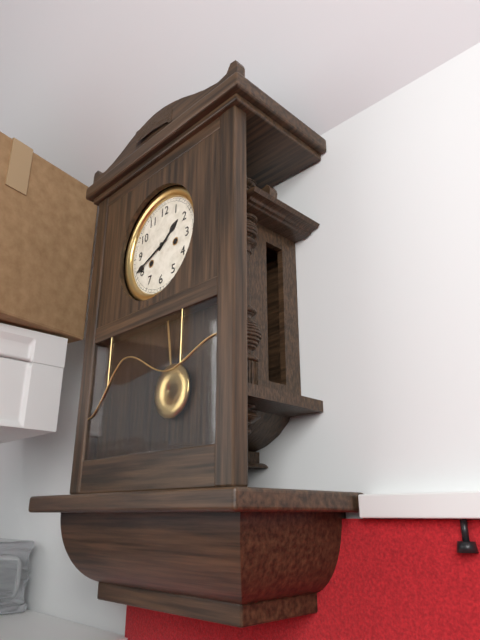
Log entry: 1:41
